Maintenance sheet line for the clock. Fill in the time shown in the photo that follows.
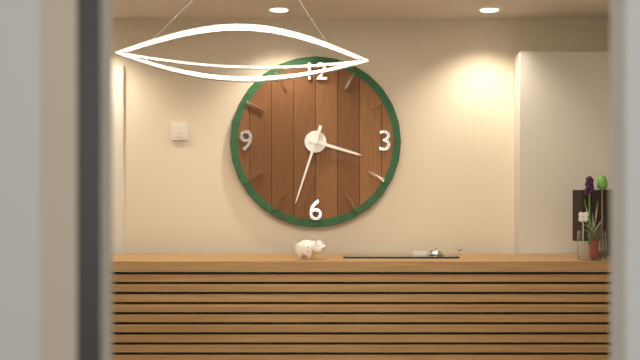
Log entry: 3:33
